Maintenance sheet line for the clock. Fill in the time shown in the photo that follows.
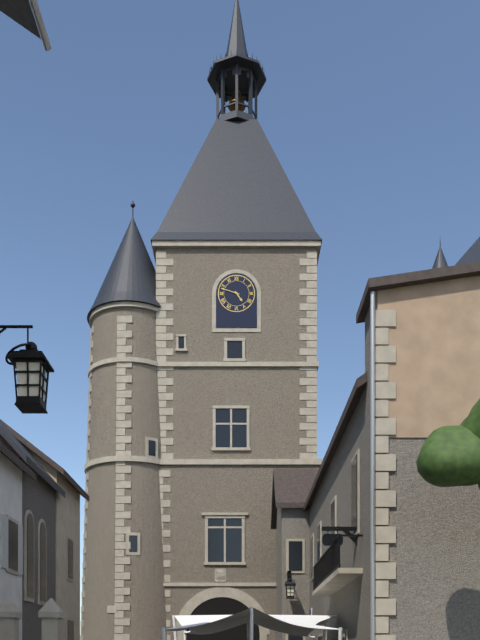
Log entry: 4:48
